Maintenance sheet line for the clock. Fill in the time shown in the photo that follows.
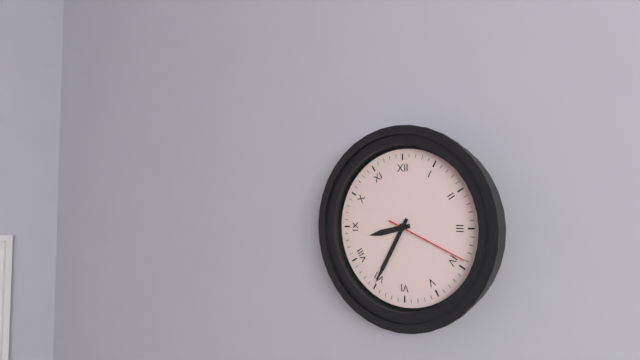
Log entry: 8:35:19
